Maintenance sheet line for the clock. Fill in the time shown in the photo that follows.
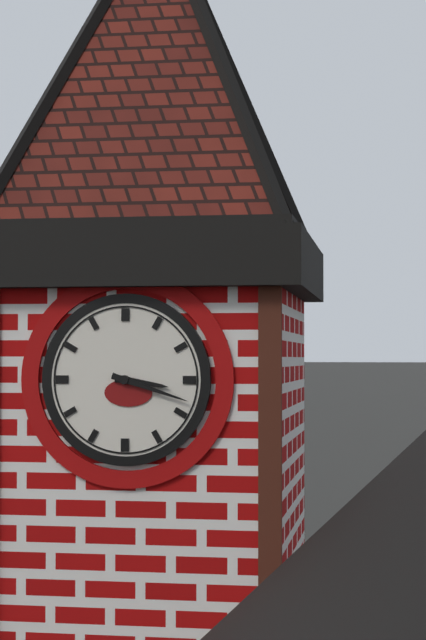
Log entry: 3:18
